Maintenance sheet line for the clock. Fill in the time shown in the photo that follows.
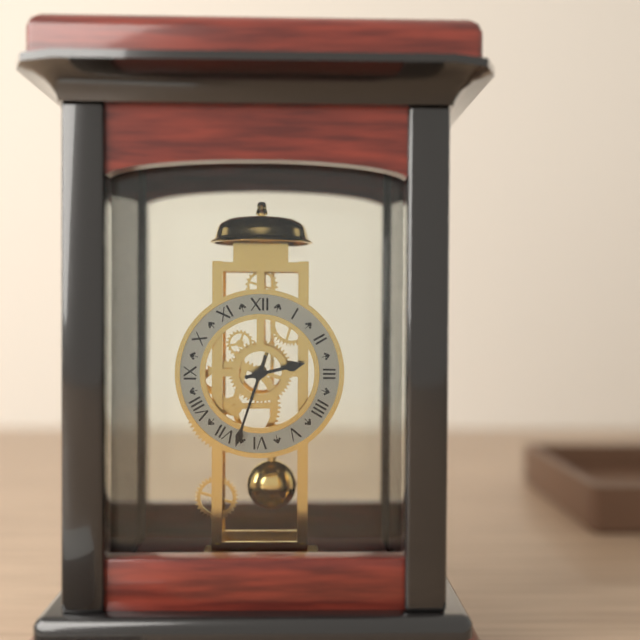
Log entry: 2:33
